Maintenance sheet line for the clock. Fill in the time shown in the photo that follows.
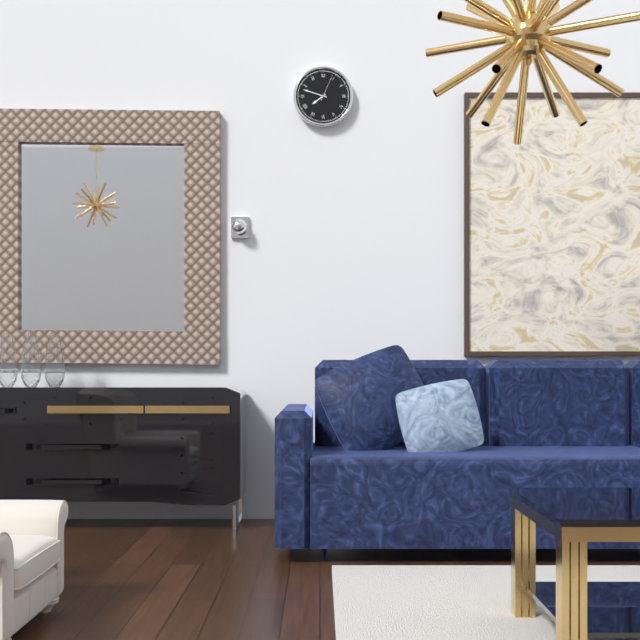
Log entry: 7:48
